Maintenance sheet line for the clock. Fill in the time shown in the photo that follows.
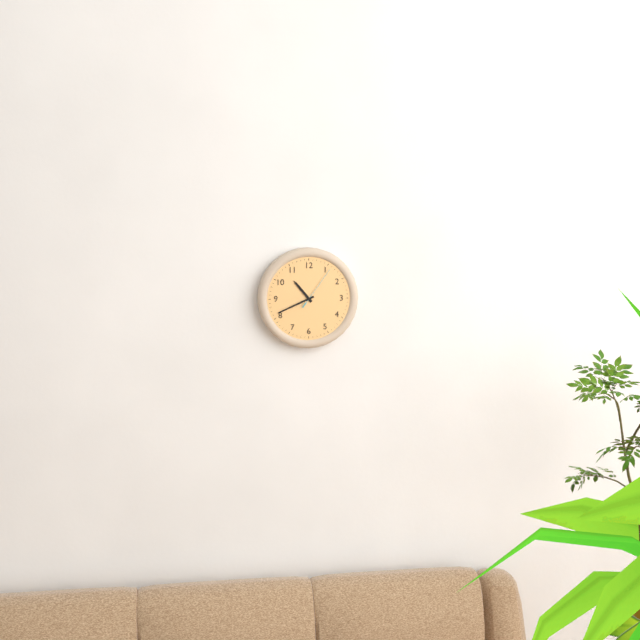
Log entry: 10:41
